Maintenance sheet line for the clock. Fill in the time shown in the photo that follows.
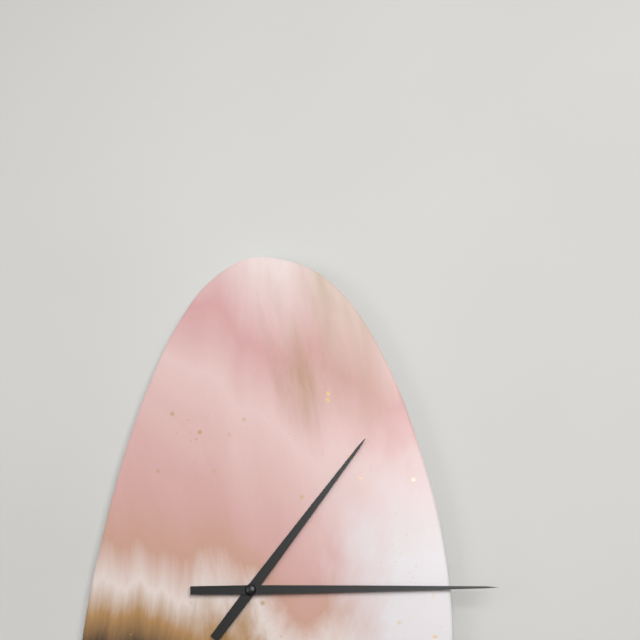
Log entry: 1:15
